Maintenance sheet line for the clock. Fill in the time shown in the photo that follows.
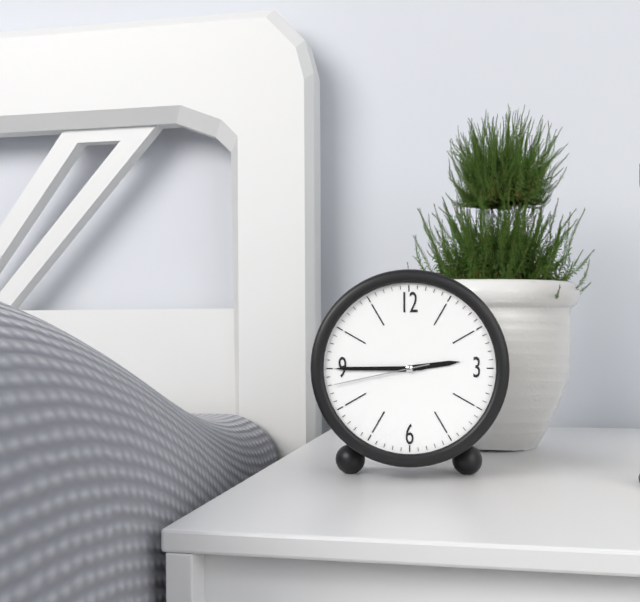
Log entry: 2:45:43
